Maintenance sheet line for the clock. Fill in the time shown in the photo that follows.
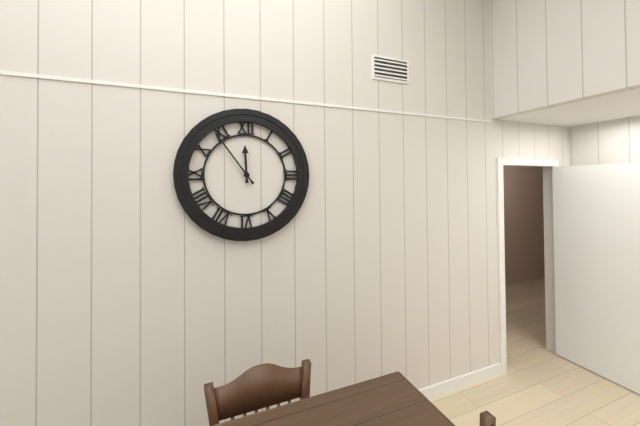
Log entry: 11:54
